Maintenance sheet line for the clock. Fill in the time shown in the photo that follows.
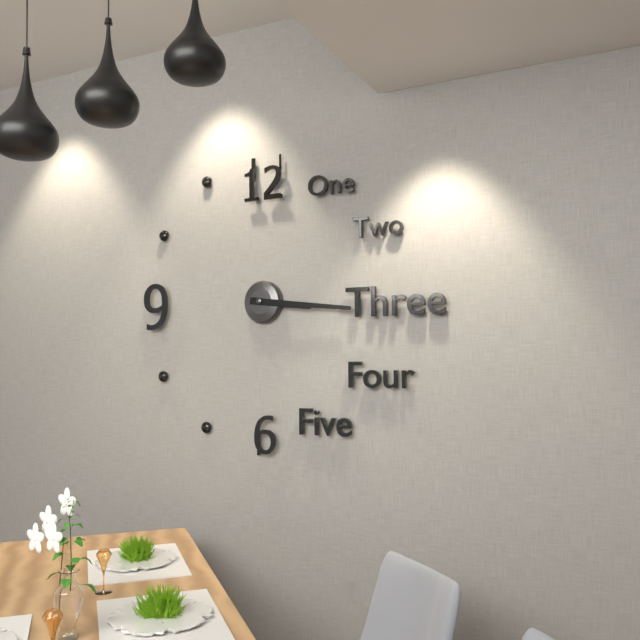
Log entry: 3:16
